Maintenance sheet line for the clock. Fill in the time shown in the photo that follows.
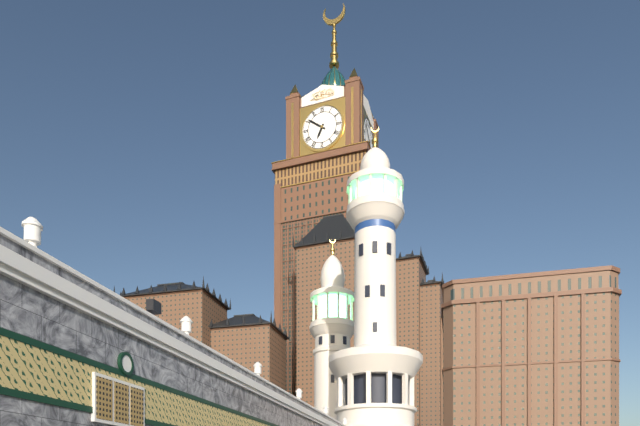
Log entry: 6:51
